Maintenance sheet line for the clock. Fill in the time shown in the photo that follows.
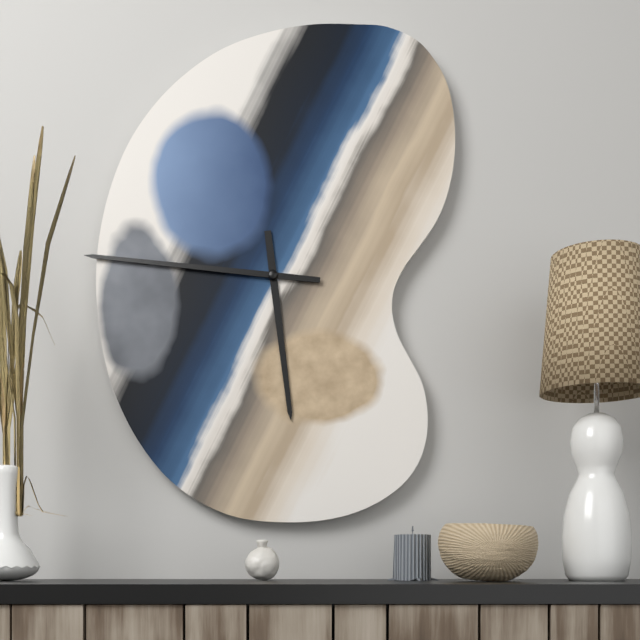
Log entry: 5:46
